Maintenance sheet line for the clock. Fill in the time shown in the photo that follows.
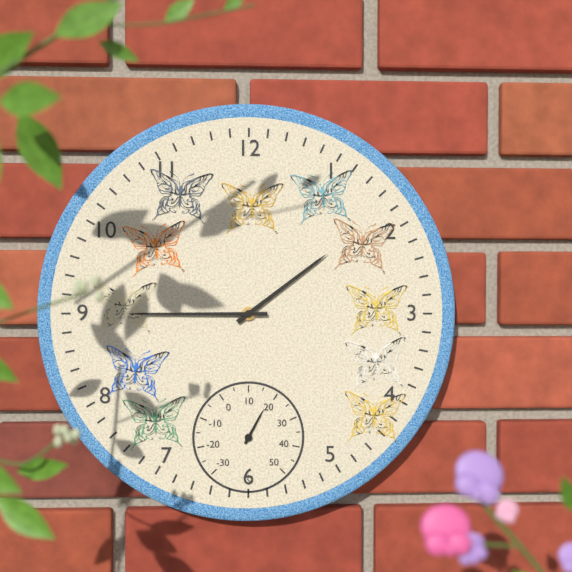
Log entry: 1:45
